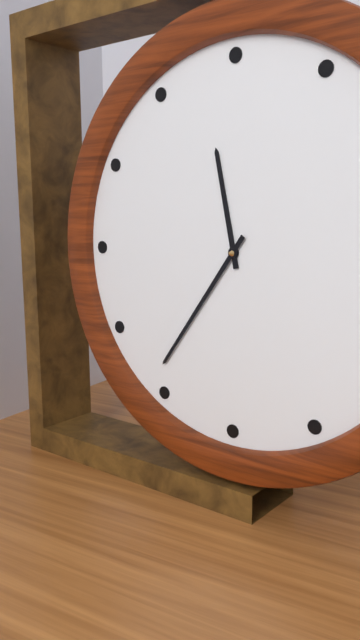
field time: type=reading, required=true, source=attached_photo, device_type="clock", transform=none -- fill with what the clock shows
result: 11:36
